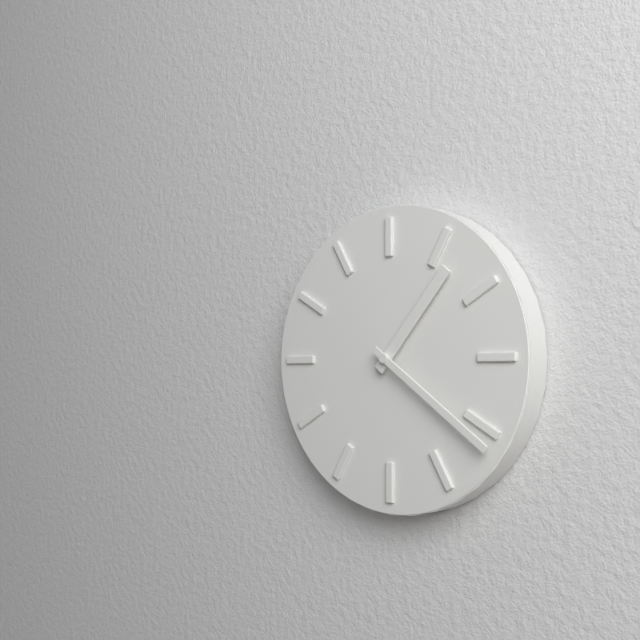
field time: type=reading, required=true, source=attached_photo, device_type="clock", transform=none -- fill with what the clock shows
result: 1:21
